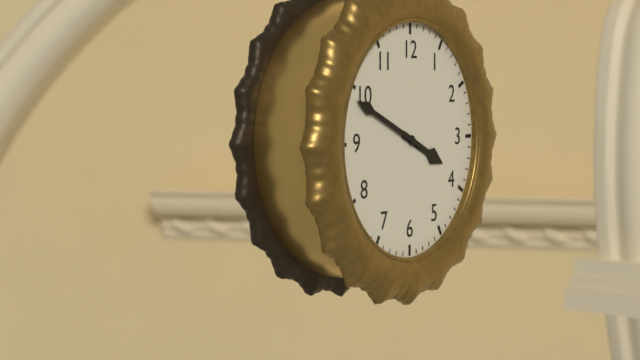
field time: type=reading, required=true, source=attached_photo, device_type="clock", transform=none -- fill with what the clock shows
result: 3:49
